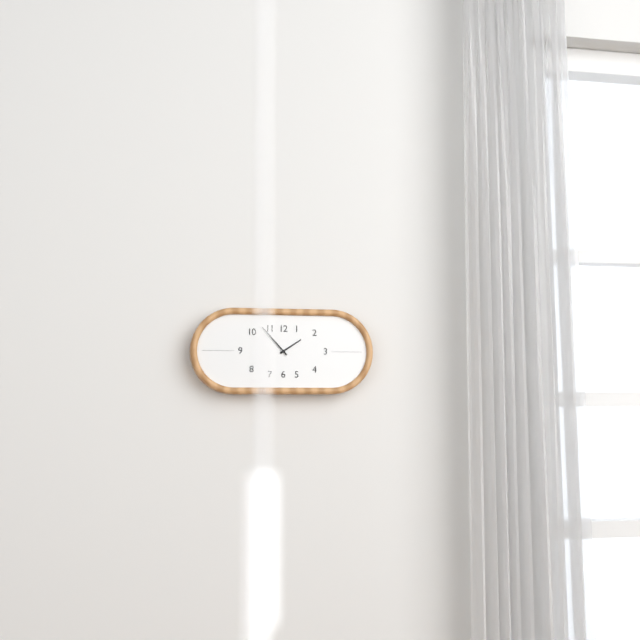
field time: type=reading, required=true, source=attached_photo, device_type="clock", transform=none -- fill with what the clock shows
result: 1:53
